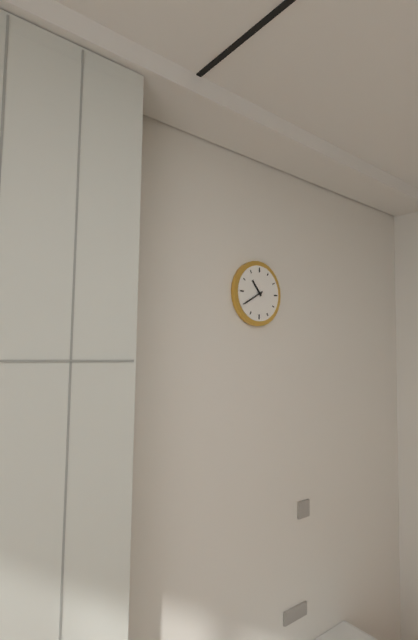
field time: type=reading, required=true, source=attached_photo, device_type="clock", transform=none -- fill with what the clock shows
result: 10:40
